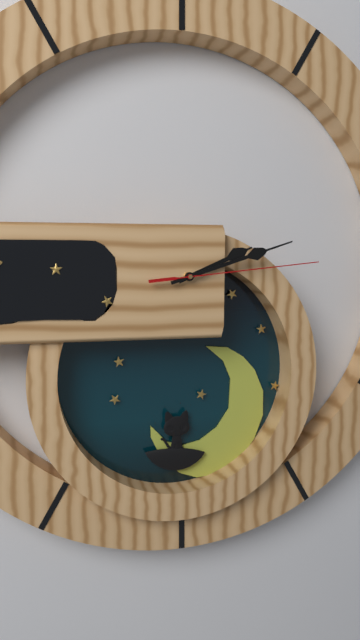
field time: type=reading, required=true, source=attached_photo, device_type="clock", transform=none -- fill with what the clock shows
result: 2:12:14
